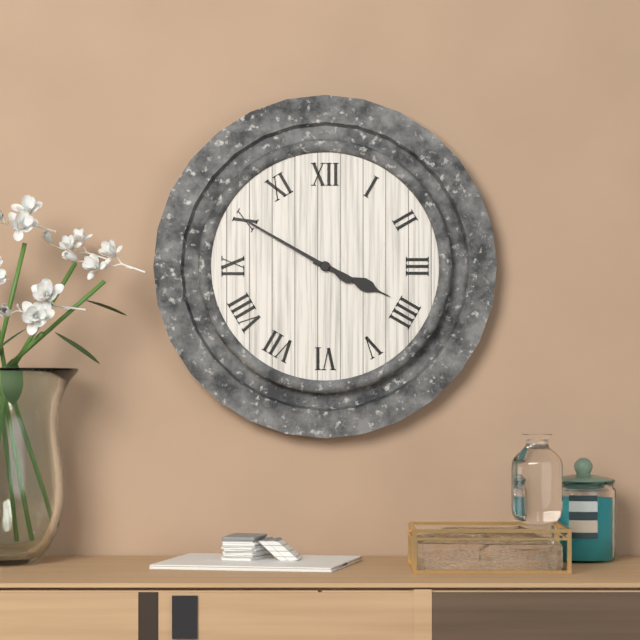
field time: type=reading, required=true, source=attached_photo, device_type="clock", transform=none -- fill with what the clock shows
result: 3:50
